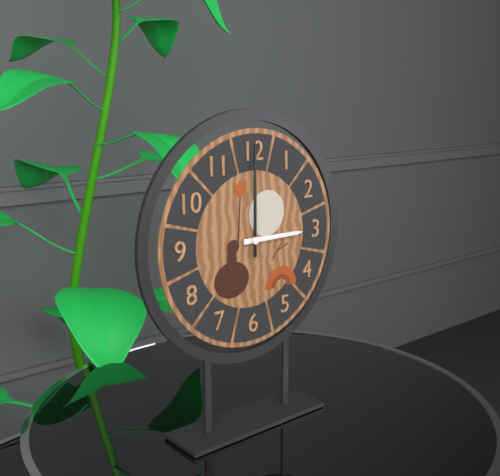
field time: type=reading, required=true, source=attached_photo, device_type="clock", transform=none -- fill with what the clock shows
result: 3:00
